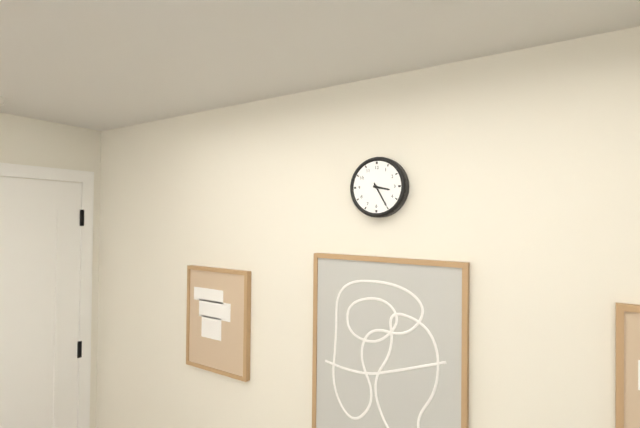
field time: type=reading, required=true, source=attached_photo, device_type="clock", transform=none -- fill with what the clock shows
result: 3:25
